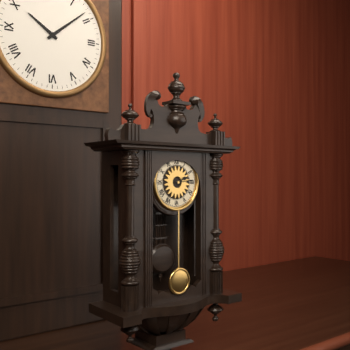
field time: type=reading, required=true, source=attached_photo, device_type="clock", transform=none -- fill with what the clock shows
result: 2:14
